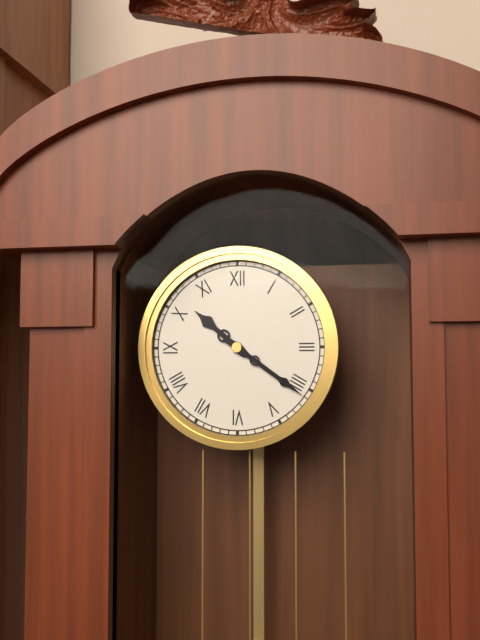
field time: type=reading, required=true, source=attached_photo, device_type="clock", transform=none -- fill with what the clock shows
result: 10:21
